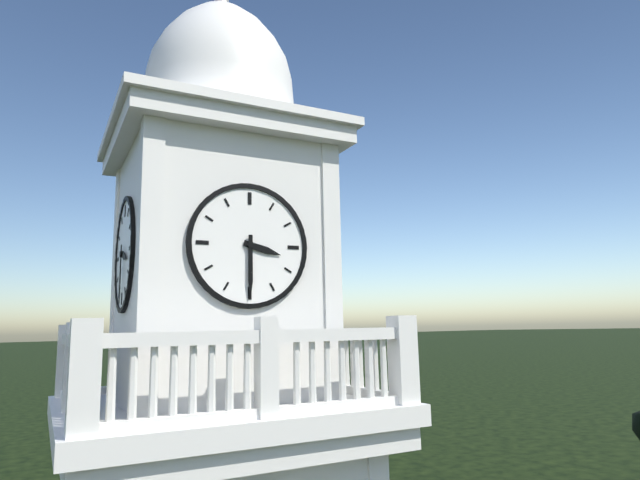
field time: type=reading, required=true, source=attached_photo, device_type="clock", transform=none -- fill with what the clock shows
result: 3:30
